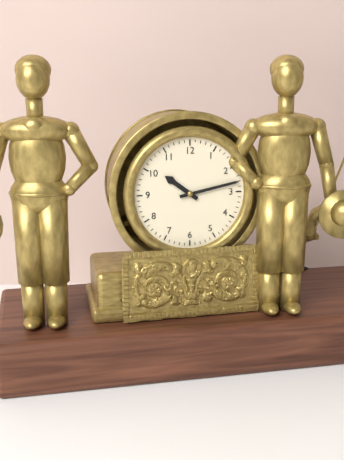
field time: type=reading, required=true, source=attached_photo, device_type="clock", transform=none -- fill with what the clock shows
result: 10:13
